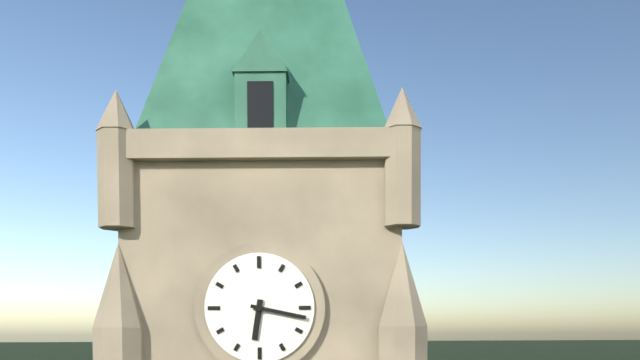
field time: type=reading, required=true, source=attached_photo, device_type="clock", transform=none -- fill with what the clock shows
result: 6:17
